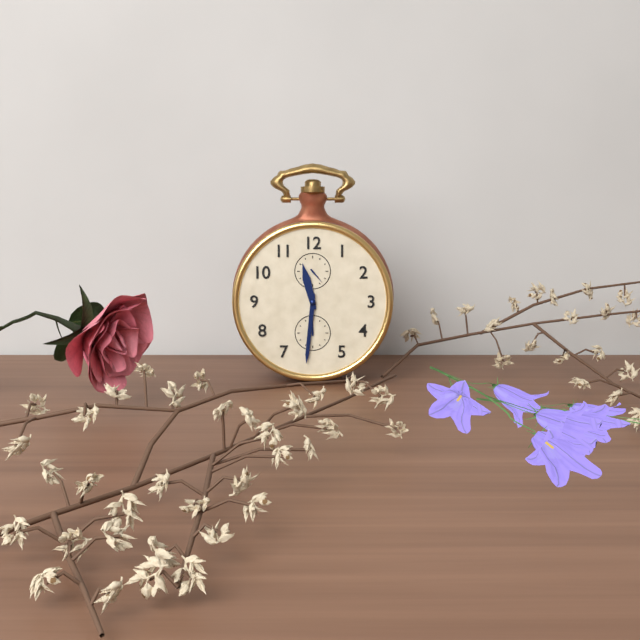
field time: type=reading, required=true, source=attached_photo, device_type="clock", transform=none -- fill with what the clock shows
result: 11:31
